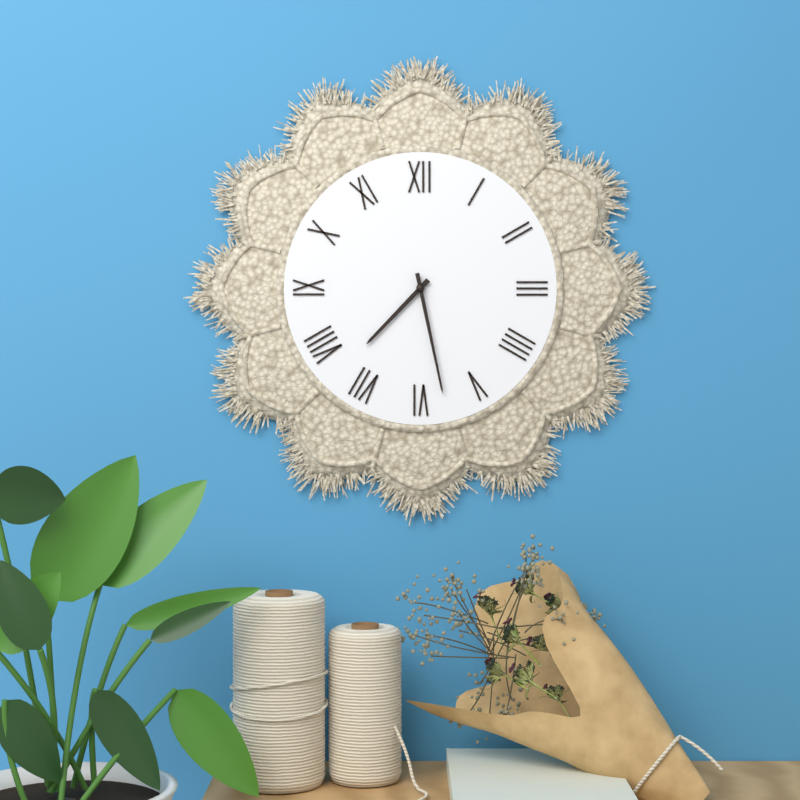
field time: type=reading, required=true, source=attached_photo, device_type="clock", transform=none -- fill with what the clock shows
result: 7:28
